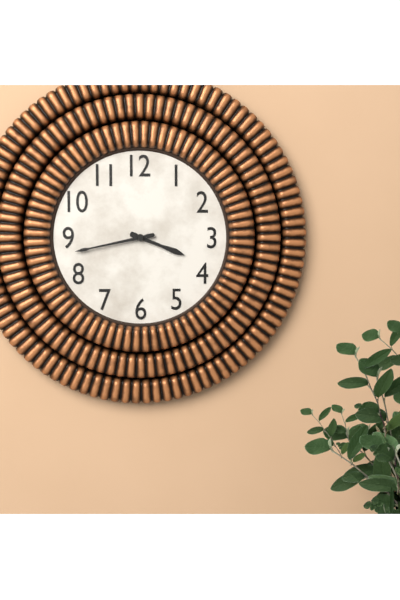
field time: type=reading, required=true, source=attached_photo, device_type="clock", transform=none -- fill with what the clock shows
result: 3:43
